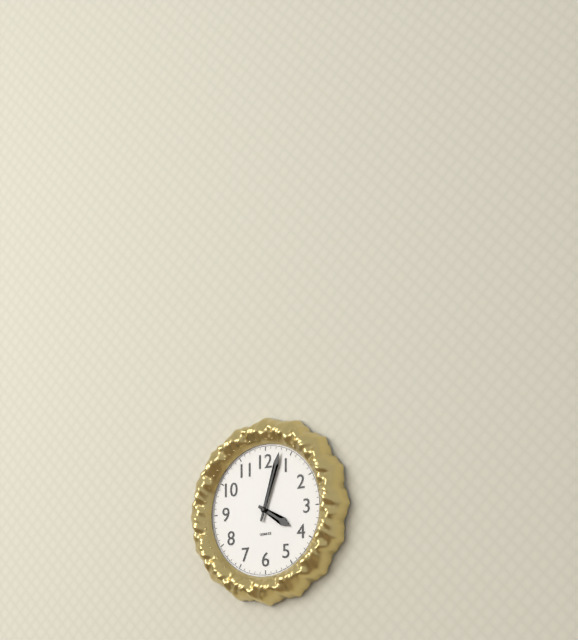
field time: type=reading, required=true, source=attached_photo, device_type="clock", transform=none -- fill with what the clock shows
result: 4:03
